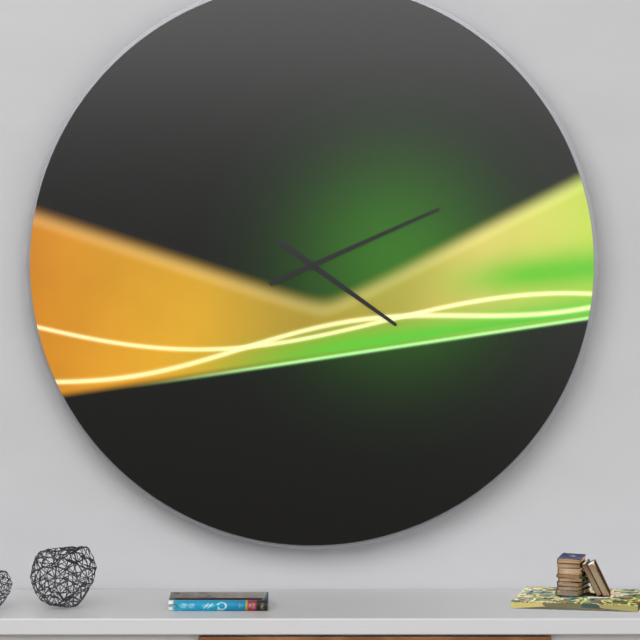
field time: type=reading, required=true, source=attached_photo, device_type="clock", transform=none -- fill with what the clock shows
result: 4:11
